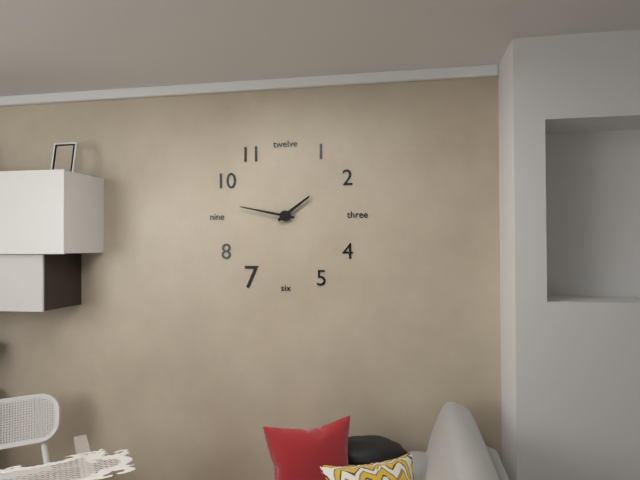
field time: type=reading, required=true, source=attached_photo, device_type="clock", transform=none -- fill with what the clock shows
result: 1:47
